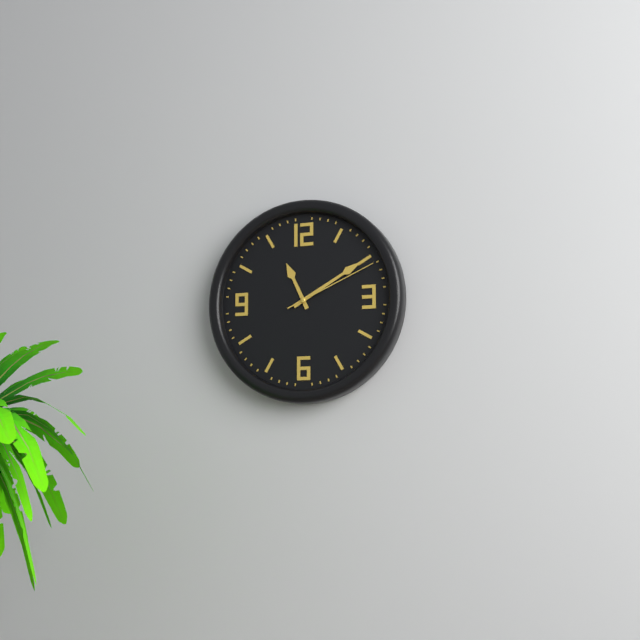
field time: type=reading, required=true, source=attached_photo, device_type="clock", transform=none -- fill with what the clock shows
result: 11:10:11
